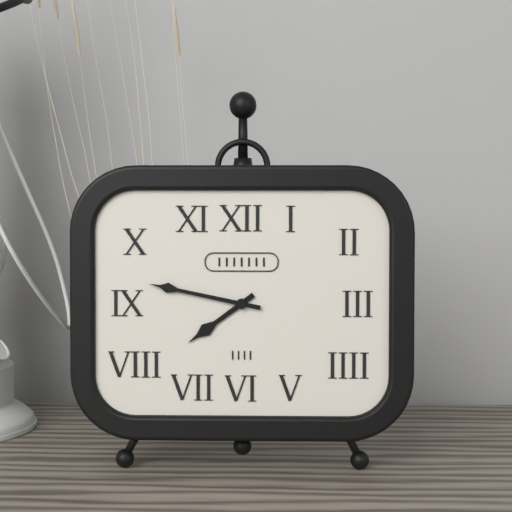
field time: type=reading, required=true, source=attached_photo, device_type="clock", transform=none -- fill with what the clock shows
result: 7:47
